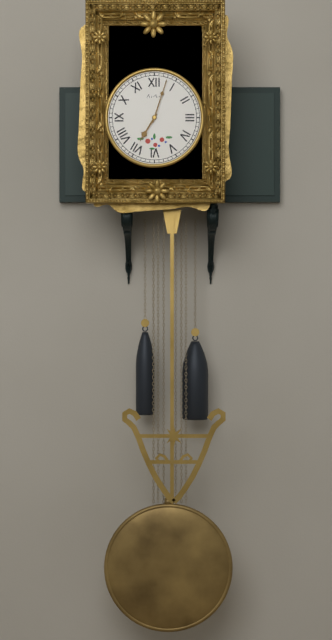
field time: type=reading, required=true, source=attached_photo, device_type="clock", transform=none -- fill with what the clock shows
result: 7:03
